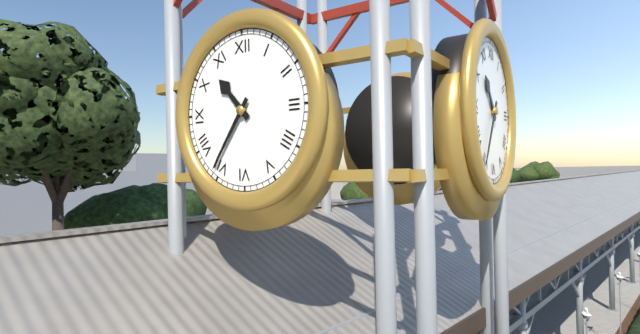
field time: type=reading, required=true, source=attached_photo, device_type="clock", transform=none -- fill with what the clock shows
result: 10:36
